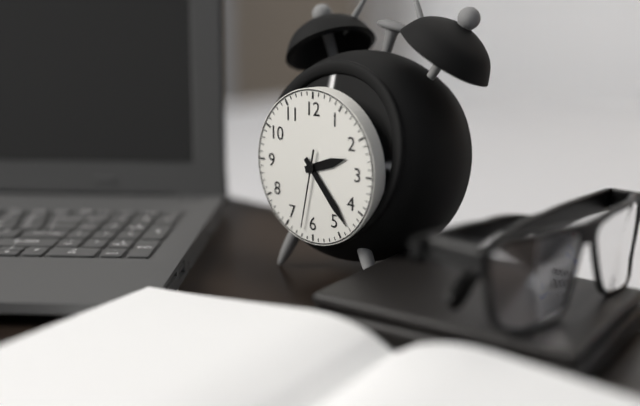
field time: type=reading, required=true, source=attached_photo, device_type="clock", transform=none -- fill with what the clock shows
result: 2:23:32
